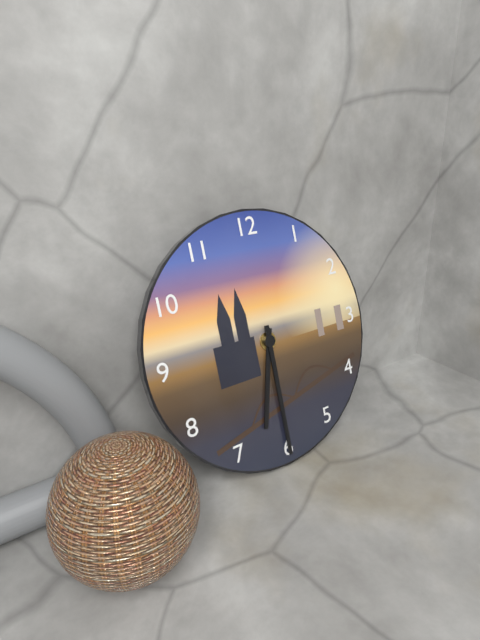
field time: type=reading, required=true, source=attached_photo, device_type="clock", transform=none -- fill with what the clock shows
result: 6:30
